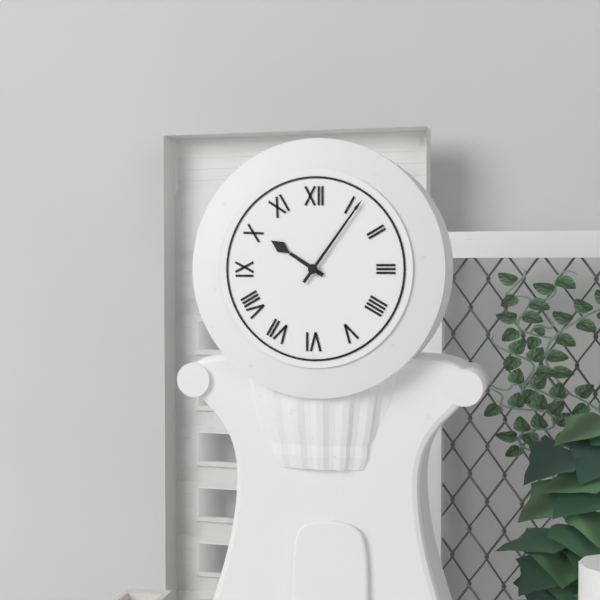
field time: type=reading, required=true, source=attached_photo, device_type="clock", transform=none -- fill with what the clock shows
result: 10:06
